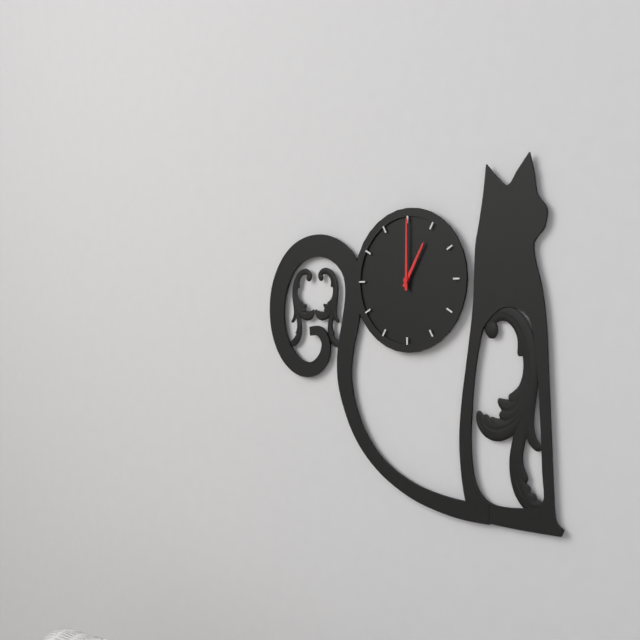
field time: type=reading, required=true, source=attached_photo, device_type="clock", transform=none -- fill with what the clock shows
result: 1:00
